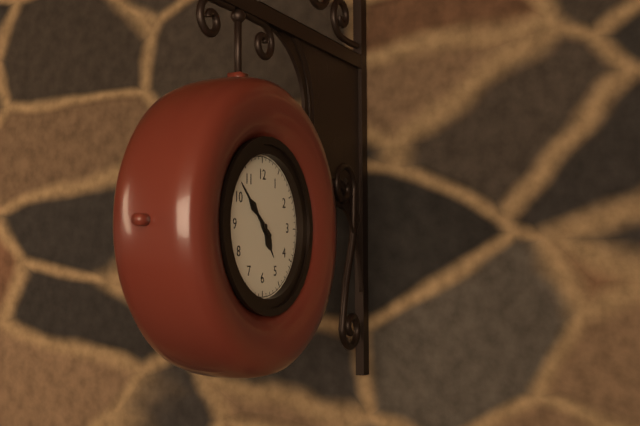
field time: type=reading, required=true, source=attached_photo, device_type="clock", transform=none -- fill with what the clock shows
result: 4:52:52
